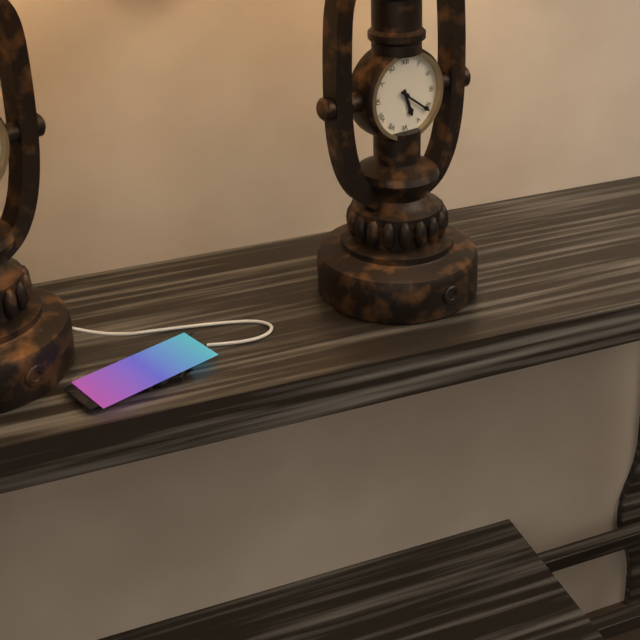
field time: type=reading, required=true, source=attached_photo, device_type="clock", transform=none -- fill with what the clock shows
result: 5:21
